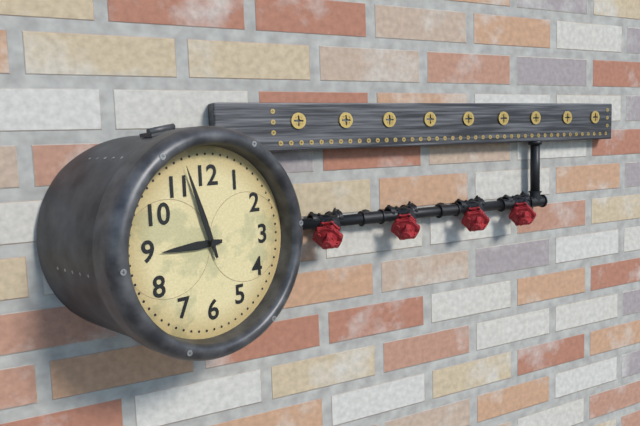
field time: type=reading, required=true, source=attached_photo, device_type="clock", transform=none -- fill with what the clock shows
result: 8:57
